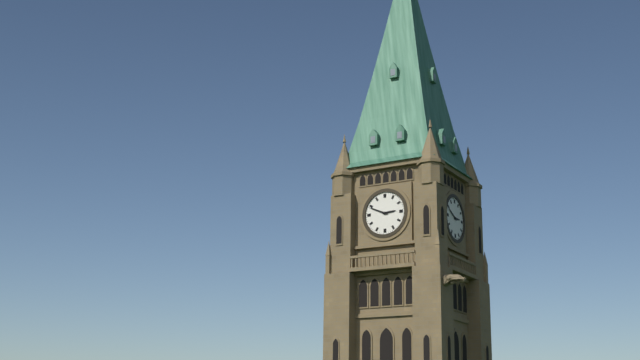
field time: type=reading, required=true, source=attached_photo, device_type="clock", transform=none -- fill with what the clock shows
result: 2:49
